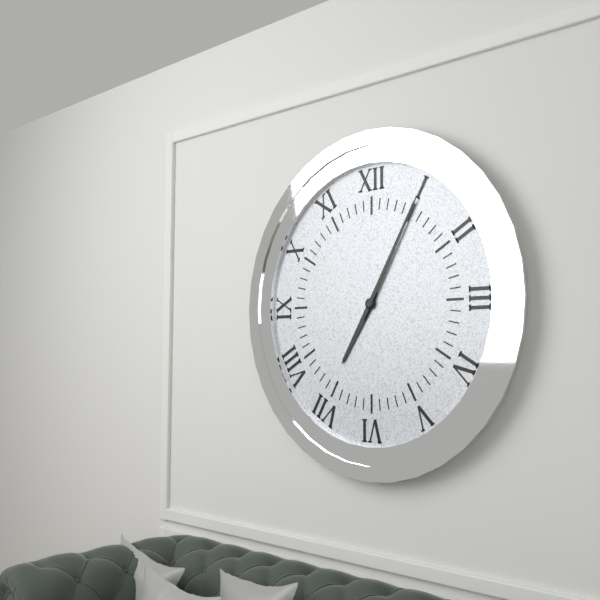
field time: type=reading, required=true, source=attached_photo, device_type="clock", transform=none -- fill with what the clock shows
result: 7:05
